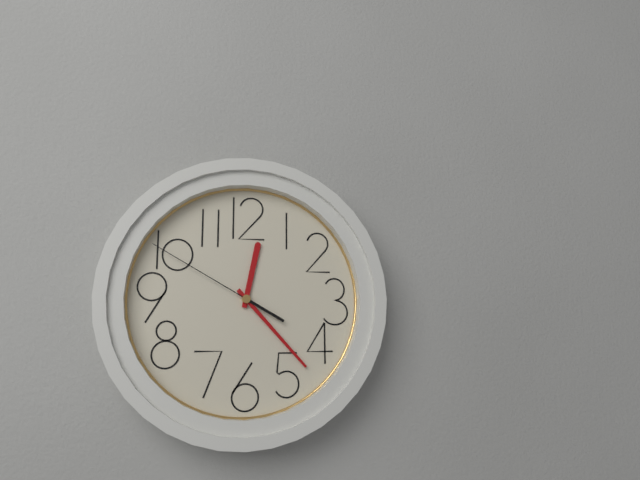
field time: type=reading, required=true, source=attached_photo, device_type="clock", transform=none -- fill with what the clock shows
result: 12:23:50
